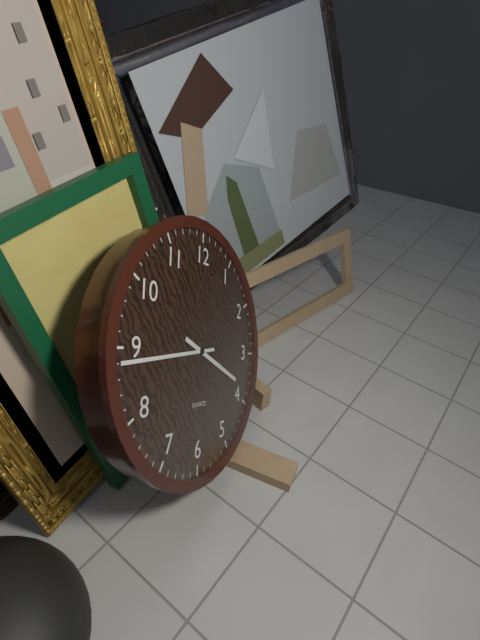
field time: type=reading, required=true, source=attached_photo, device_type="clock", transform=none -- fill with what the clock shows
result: 3:44
